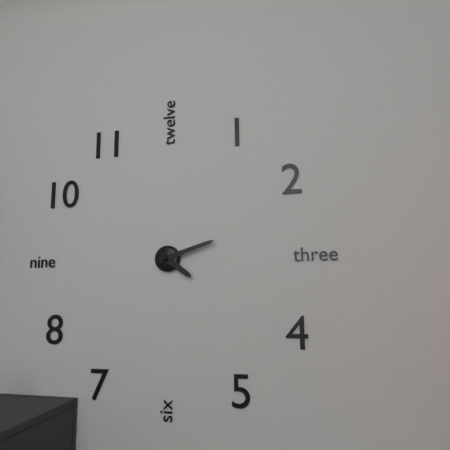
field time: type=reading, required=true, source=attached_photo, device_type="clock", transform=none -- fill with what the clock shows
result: 4:12
